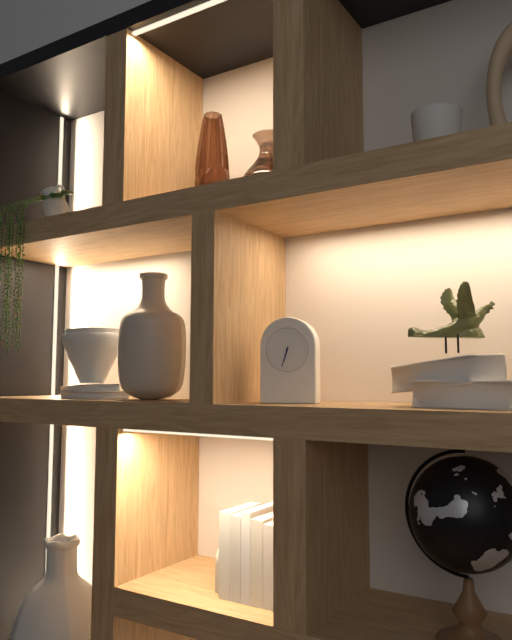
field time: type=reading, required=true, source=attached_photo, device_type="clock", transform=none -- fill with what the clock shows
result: 6:33
